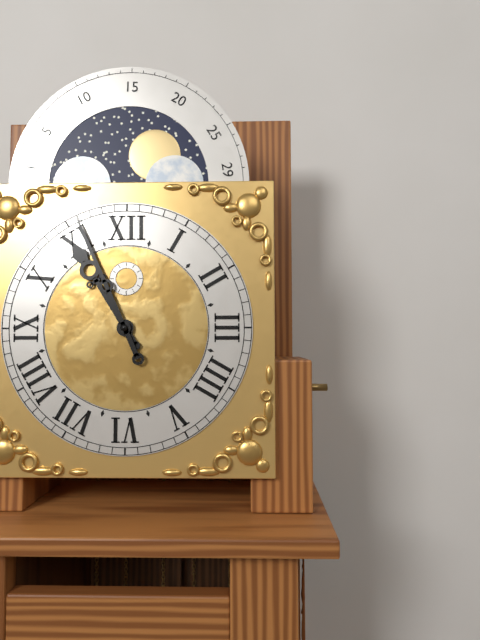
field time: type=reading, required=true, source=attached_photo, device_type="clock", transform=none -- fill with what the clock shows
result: 10:56
